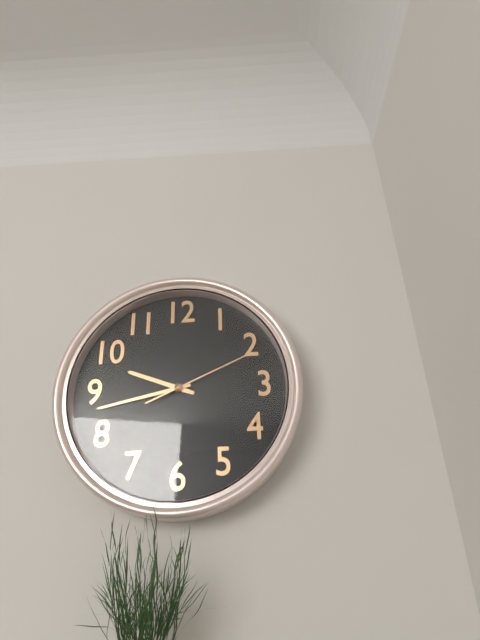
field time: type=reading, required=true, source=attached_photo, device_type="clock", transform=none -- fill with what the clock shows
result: 9:43:11
